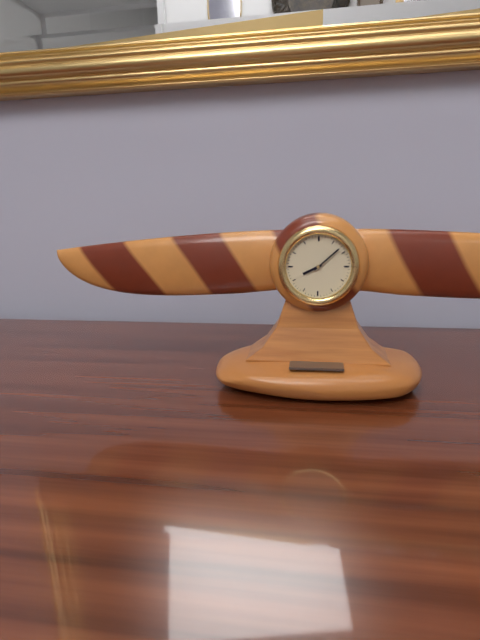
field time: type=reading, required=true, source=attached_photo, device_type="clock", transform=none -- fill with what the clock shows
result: 8:08
